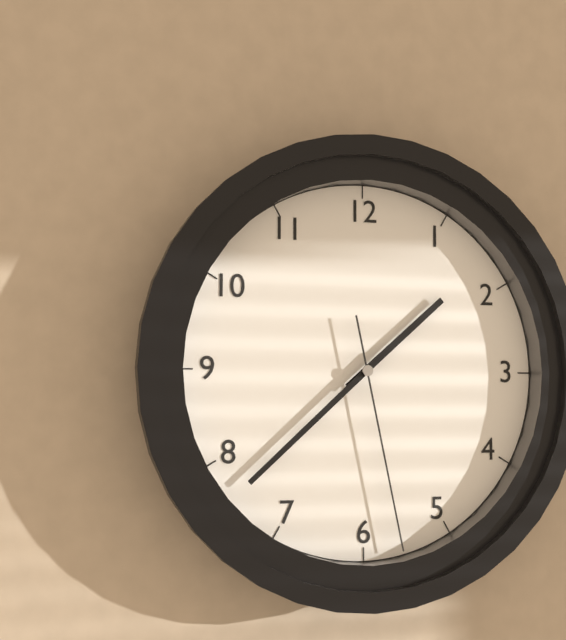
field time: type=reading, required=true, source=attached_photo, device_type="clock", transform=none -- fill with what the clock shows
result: 1:38:28
